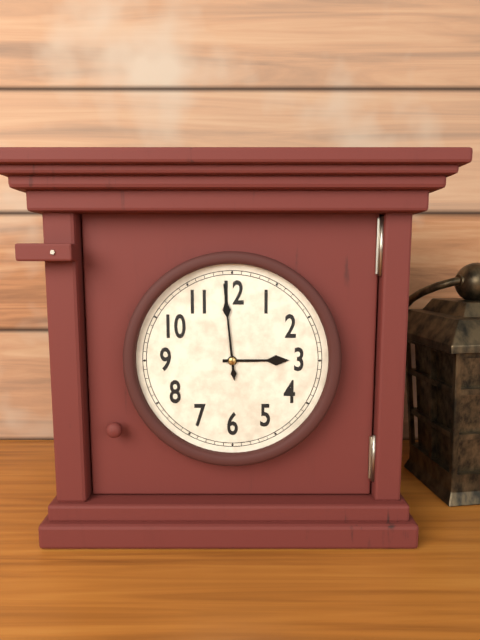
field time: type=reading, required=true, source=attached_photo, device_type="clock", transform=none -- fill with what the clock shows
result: 2:59
